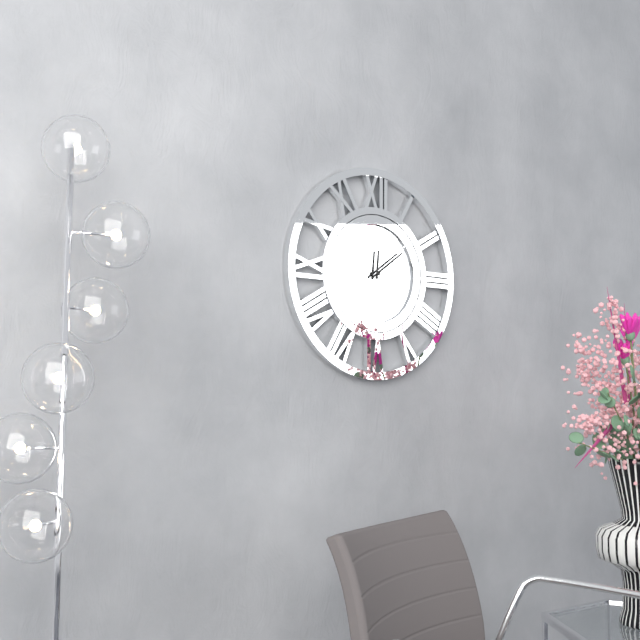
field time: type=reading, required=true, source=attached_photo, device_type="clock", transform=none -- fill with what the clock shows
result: 12:09
